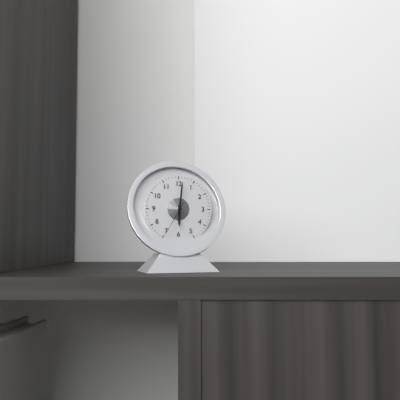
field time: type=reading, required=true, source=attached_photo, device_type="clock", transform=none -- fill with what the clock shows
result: 6:01
